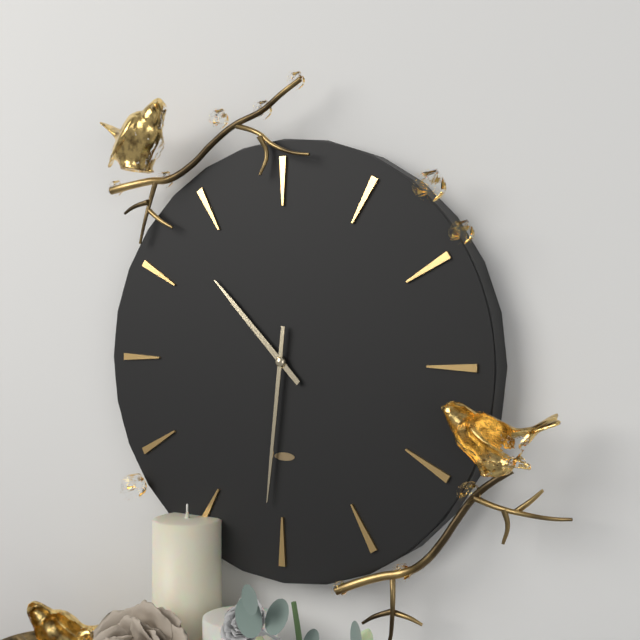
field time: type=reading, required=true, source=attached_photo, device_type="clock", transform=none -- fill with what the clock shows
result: 10:31
